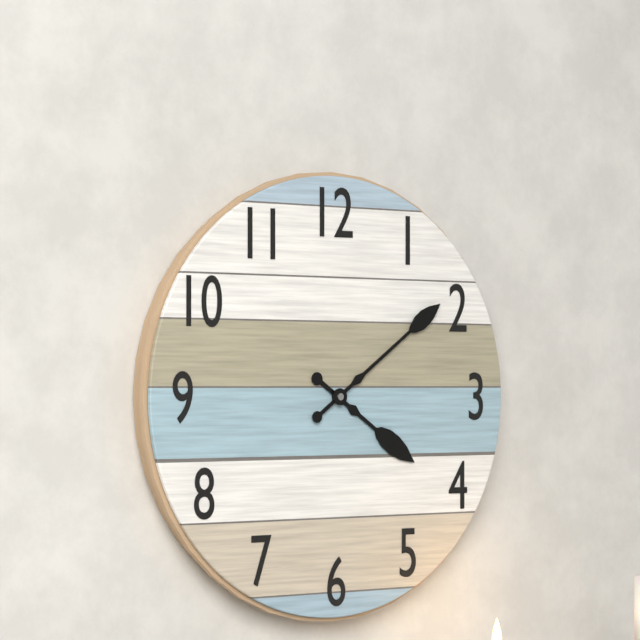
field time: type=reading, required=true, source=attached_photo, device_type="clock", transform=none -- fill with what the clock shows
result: 4:09
